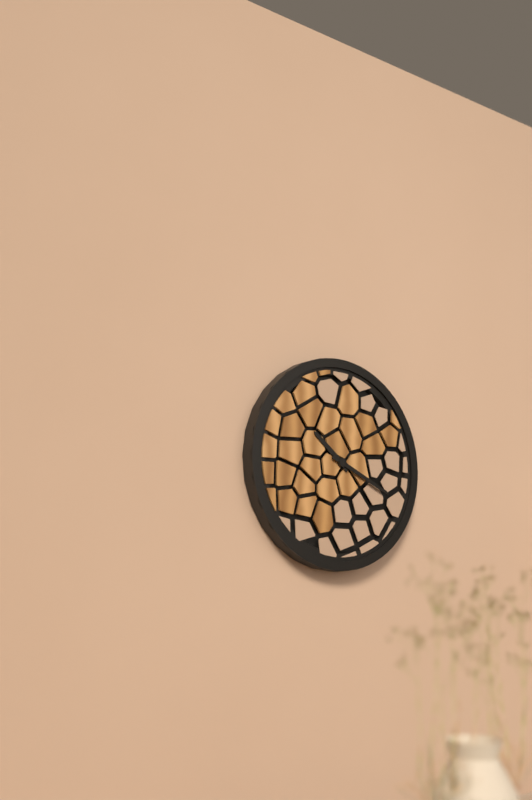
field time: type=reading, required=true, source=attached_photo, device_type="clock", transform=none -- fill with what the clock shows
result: 10:19
